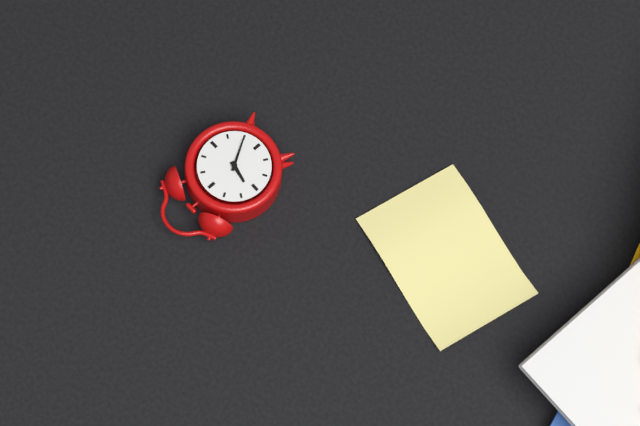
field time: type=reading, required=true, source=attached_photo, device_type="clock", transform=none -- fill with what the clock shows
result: 9:25
